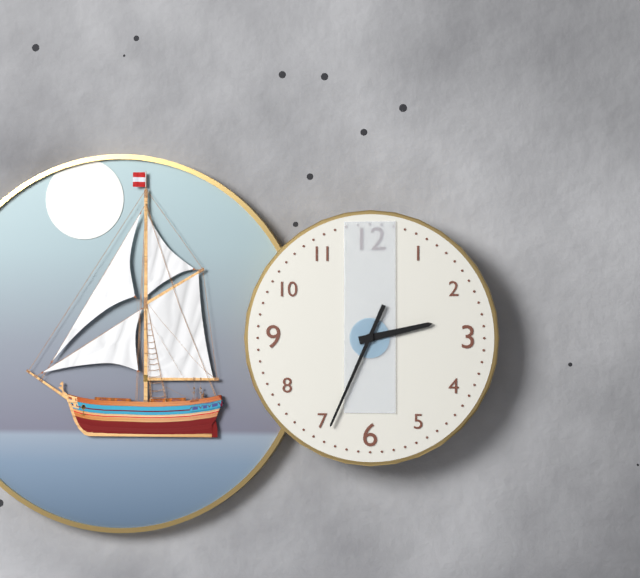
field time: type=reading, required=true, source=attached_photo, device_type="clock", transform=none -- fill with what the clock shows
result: 2:34
